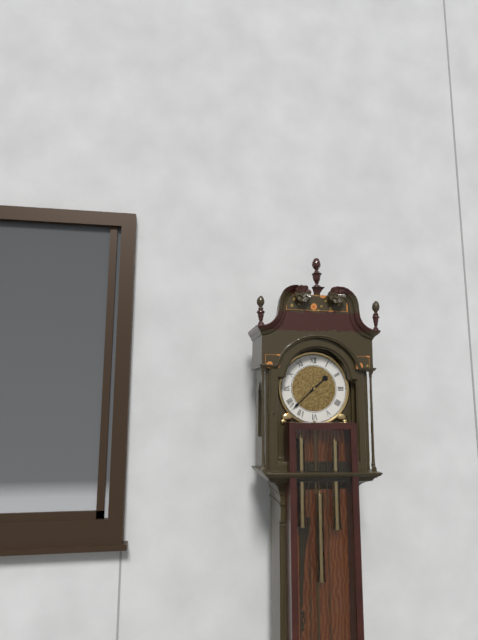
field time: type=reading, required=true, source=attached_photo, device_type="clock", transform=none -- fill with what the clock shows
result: 1:38
